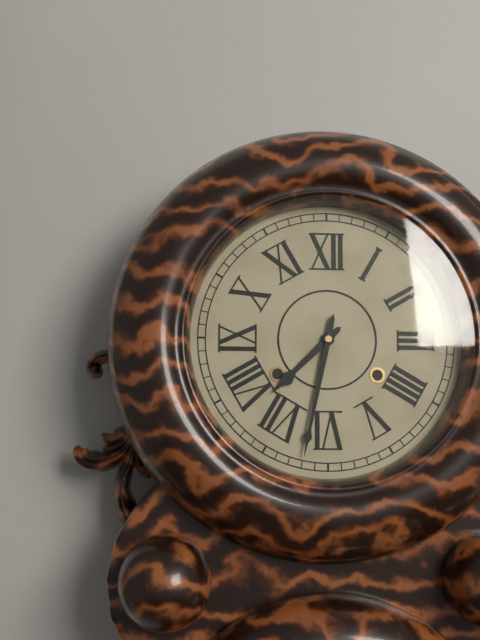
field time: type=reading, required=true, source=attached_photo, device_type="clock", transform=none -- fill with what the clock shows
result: 7:32
